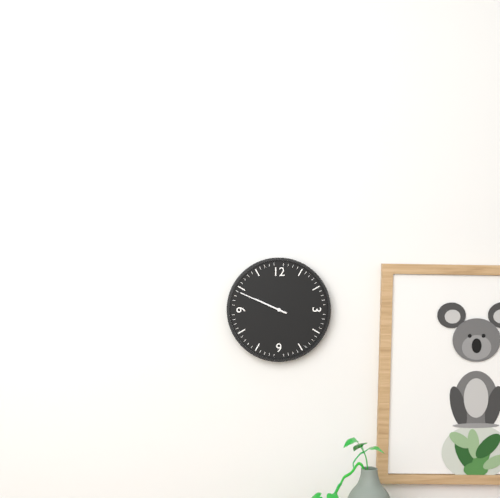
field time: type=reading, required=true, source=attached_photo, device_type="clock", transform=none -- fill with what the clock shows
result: 9:49
